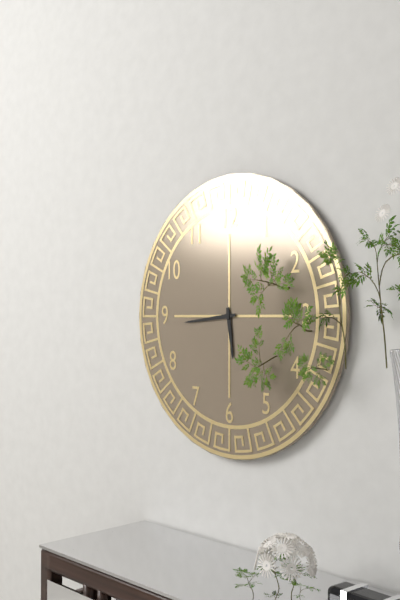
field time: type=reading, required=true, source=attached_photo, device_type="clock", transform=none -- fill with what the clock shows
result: 5:44
